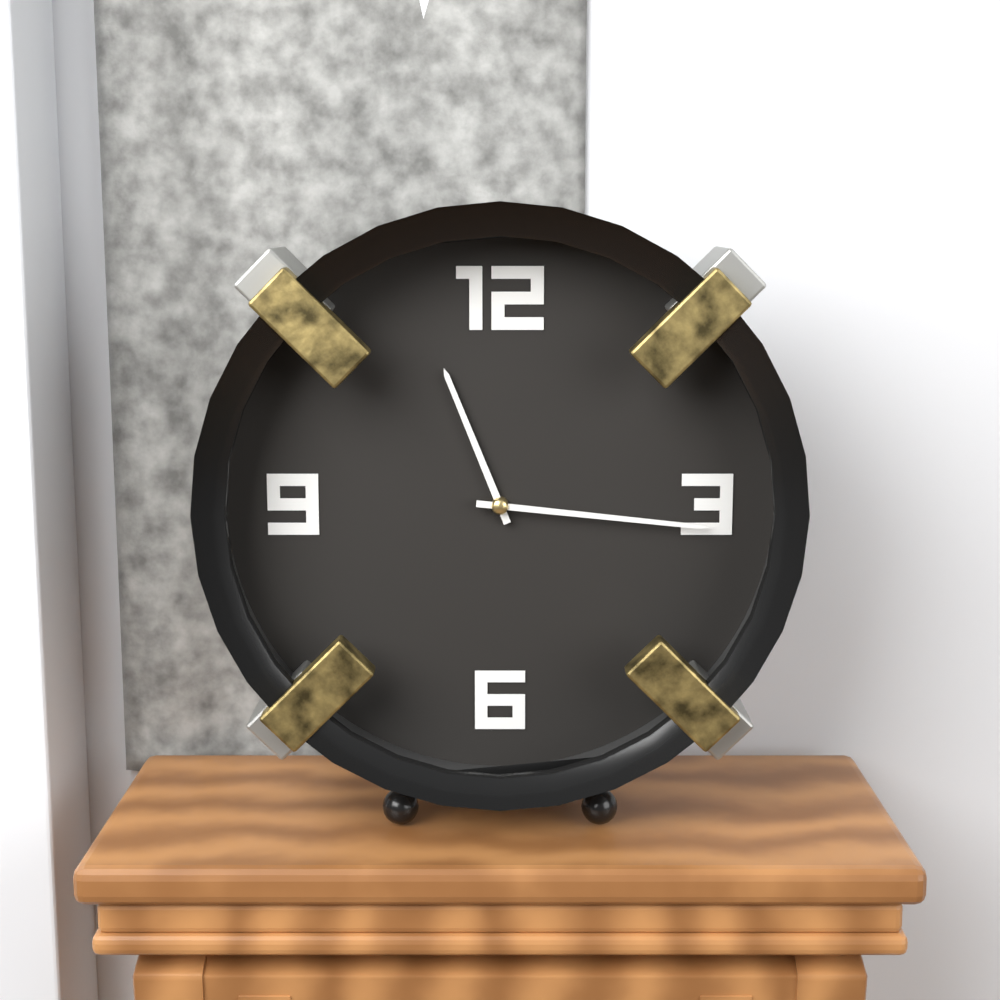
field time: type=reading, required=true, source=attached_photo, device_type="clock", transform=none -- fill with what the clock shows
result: 11:16
